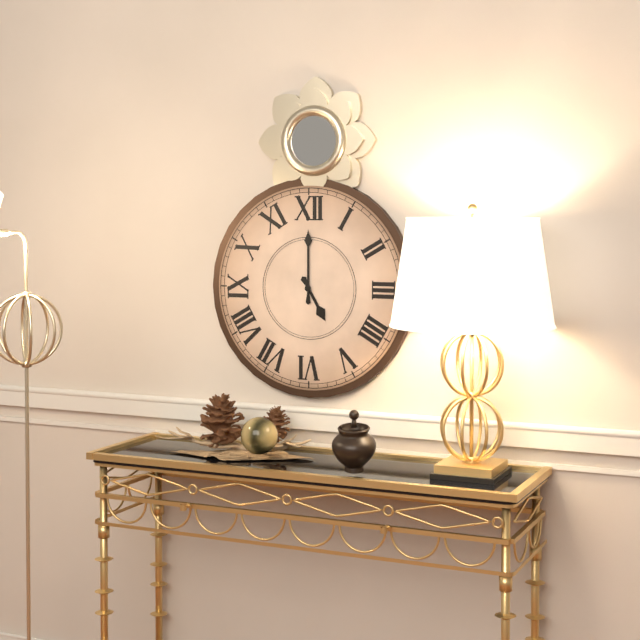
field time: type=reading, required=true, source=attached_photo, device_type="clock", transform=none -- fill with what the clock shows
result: 5:00
